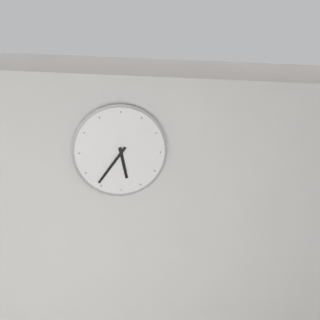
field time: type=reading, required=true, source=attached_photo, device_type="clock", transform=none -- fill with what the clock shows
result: 5:36
